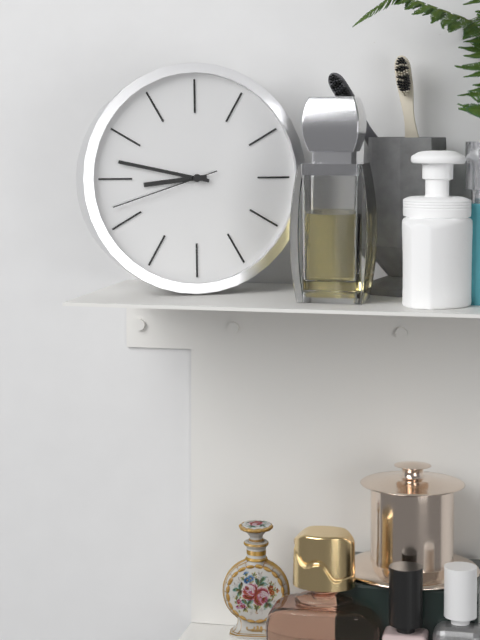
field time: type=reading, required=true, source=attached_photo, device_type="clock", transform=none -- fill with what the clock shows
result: 8:47:42
